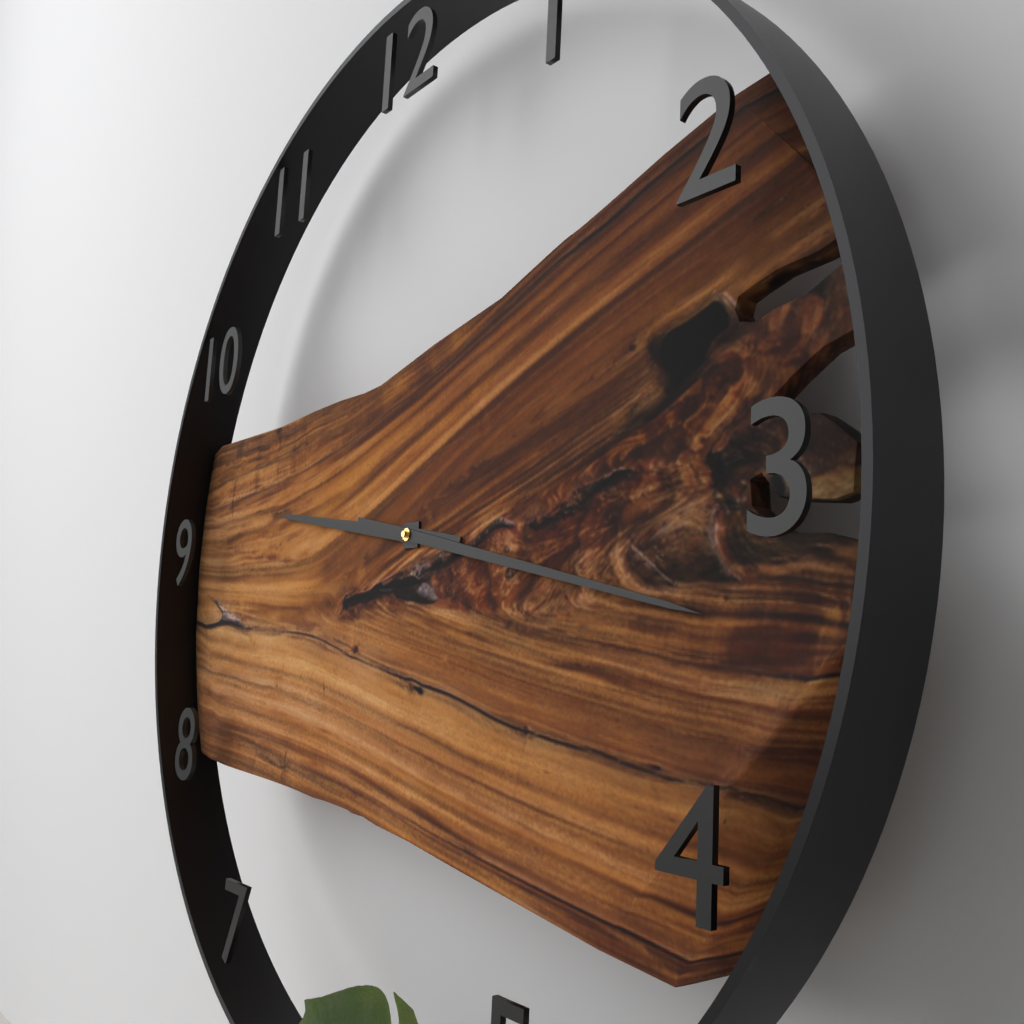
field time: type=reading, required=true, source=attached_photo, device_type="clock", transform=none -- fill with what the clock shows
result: 9:17
